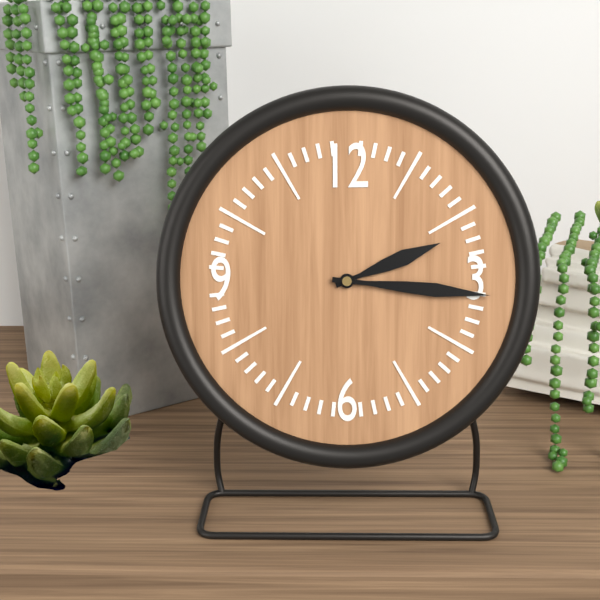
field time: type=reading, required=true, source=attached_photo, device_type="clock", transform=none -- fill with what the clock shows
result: 2:16
